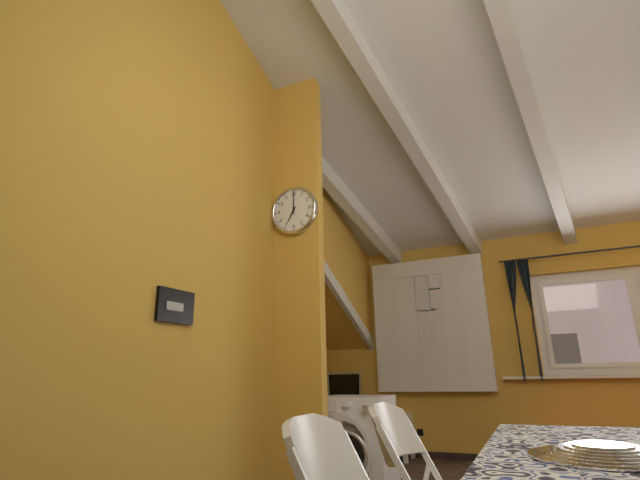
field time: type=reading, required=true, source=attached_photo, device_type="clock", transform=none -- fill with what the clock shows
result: 7:00
